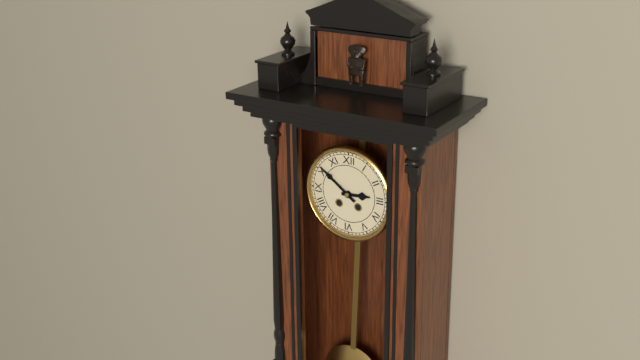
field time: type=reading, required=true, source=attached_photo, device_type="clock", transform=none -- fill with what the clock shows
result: 2:51
